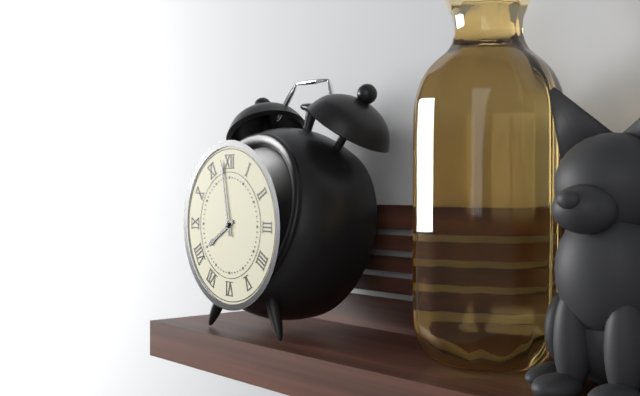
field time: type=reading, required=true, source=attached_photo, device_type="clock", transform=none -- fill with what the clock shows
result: 7:58
